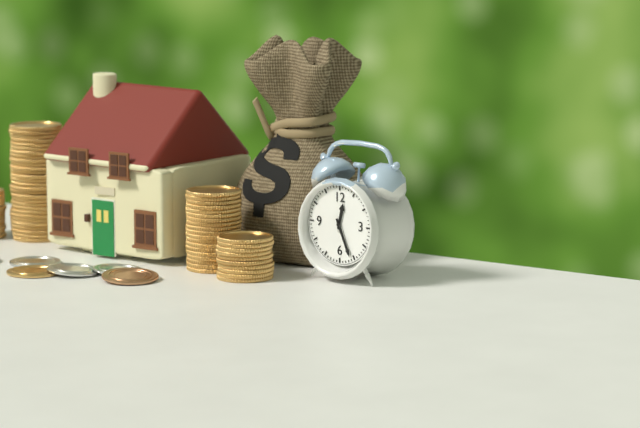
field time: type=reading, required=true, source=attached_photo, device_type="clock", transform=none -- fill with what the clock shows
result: 12:26
